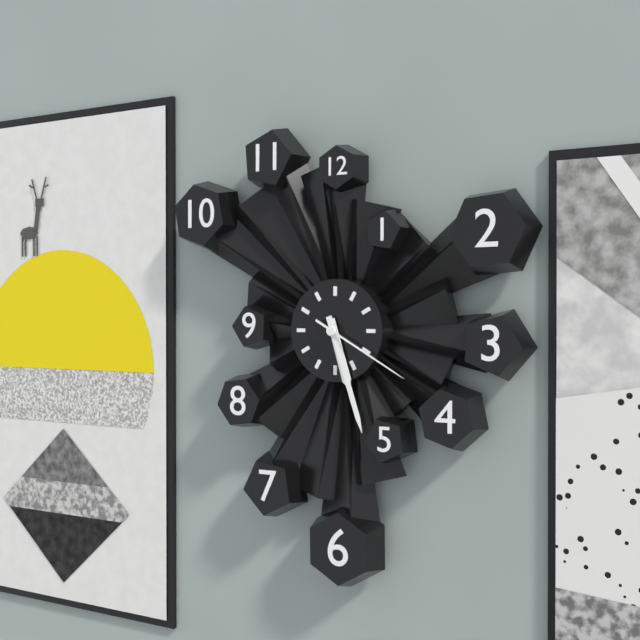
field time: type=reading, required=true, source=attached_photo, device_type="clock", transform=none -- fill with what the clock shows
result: 5:27:20
